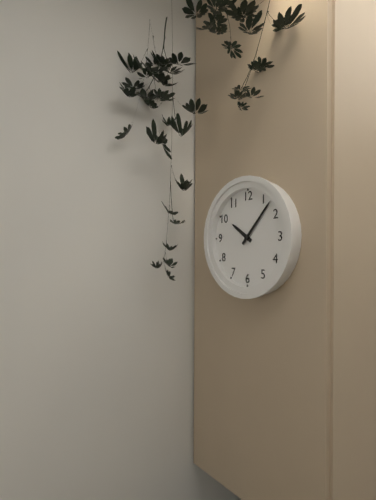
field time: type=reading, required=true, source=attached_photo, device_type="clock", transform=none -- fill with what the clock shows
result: 10:07
